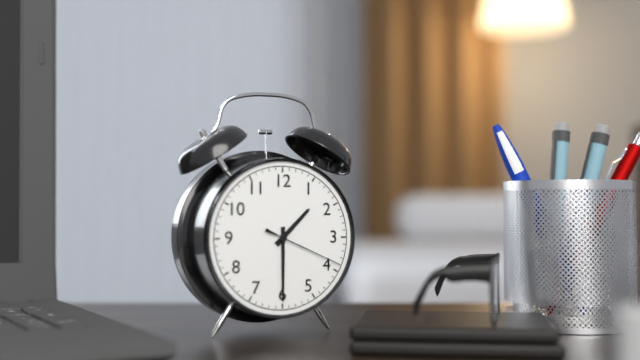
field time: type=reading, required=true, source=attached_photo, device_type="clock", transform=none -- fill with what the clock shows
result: 1:30:19
